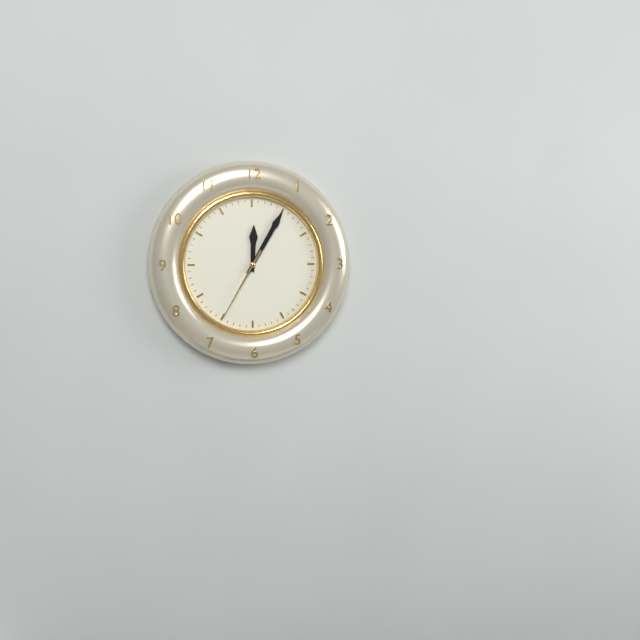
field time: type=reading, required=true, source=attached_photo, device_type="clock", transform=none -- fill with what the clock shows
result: 12:05:35
